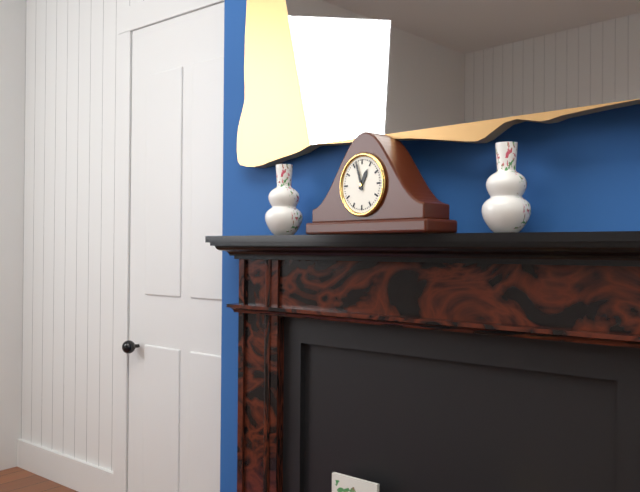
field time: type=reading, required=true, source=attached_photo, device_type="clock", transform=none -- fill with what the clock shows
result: 12:57
